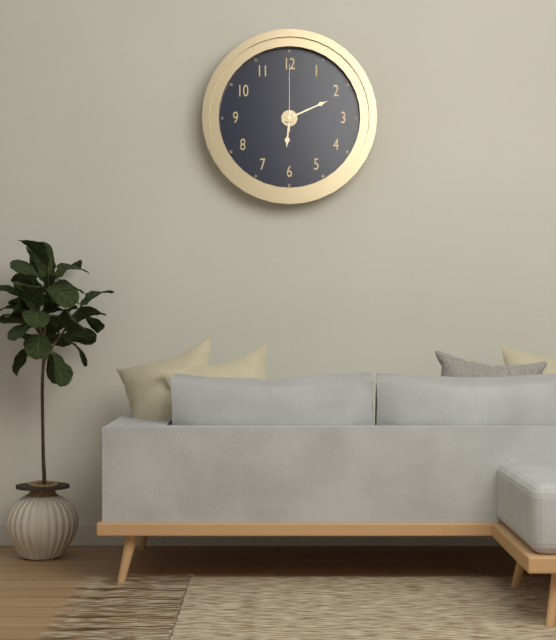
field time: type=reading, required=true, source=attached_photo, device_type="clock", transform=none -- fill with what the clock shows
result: 6:11:00
